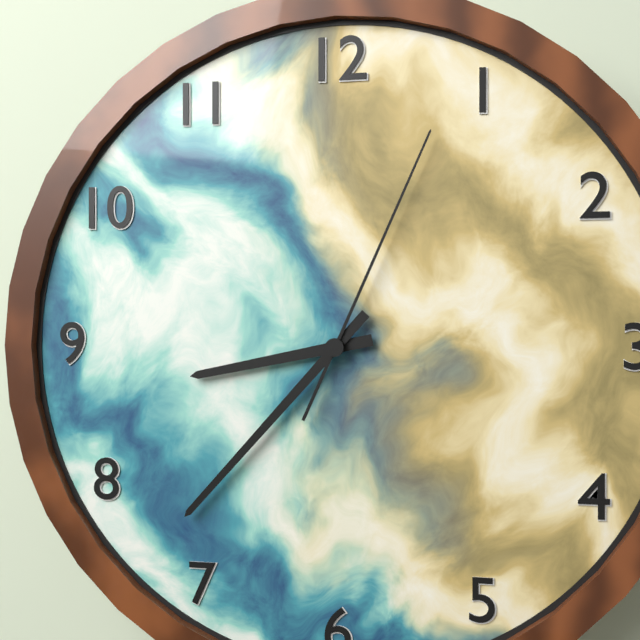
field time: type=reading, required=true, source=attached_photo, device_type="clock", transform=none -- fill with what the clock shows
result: 8:37:04
